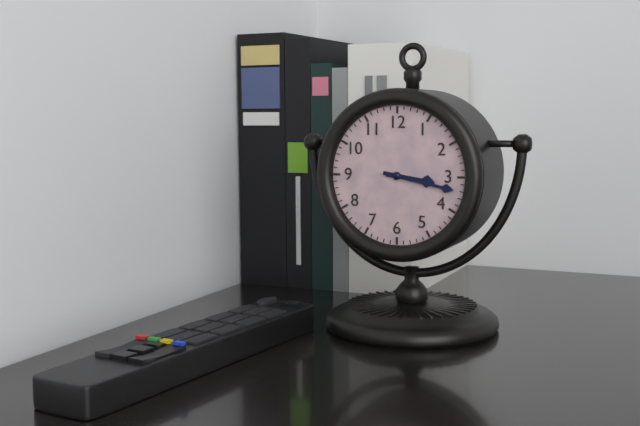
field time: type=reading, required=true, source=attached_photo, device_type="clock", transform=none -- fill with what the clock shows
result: 3:17
